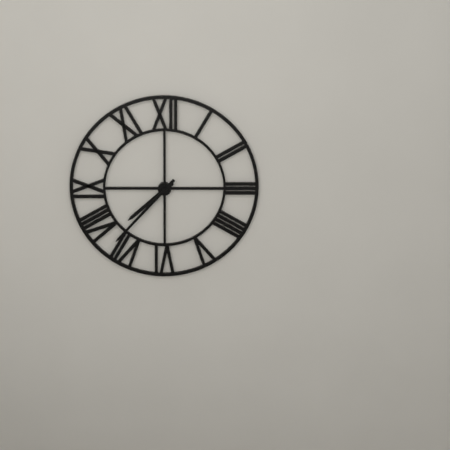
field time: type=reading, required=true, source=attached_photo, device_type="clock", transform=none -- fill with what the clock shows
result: 7:37
